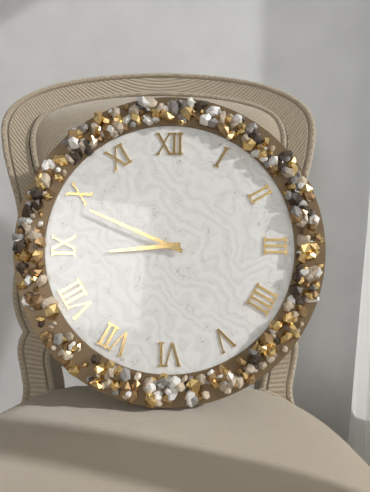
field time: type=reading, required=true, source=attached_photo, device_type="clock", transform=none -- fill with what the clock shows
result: 8:49
